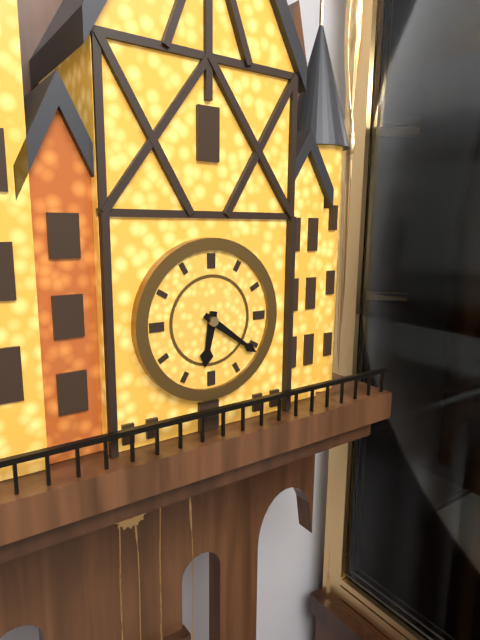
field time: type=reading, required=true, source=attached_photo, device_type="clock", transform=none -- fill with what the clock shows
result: 6:21
